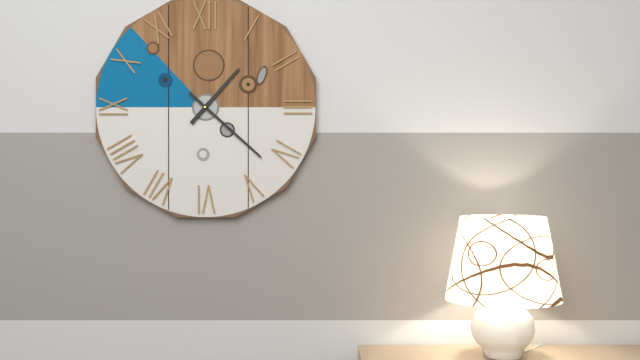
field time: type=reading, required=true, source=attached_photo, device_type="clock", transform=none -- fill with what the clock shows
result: 1:22
